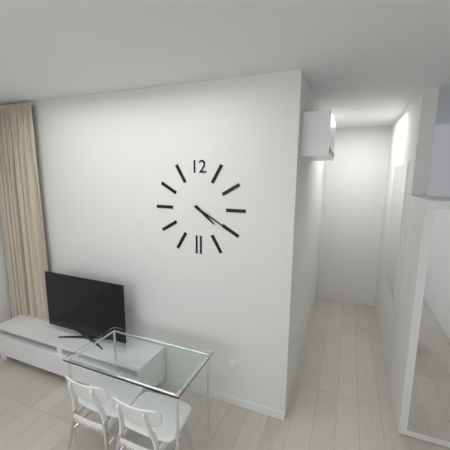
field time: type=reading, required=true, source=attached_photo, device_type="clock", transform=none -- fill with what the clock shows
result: 4:20
